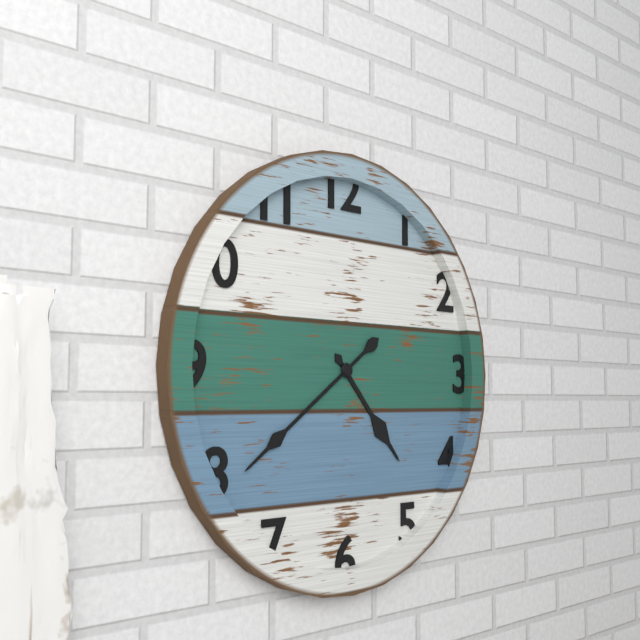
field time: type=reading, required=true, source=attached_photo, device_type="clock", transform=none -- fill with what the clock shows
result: 4:39
